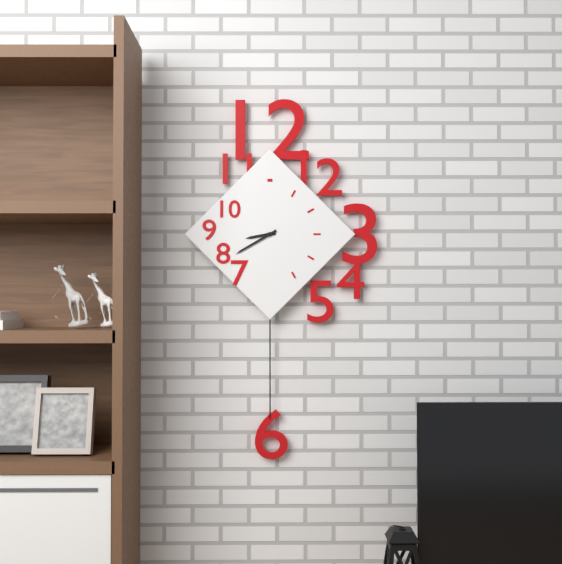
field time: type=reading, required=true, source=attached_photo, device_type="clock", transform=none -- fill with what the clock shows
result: 8:40
